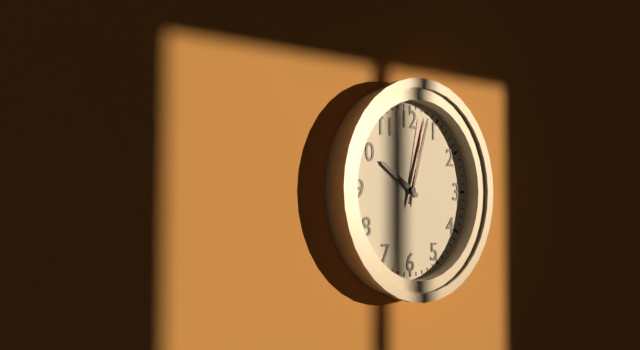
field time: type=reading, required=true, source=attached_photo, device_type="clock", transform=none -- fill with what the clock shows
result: 10:03:02
